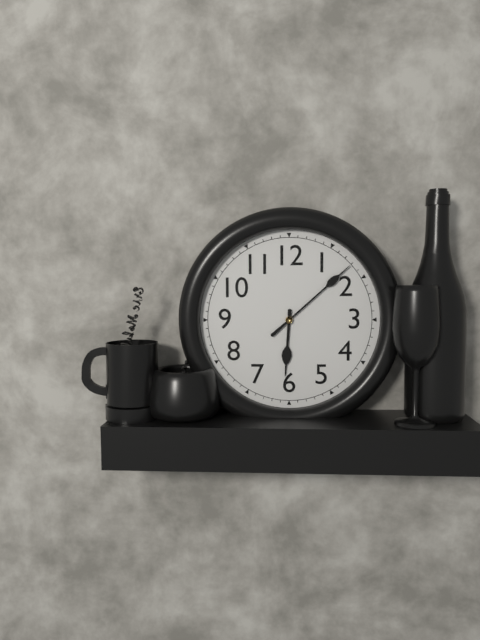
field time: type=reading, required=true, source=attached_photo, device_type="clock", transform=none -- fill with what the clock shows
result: 6:08
